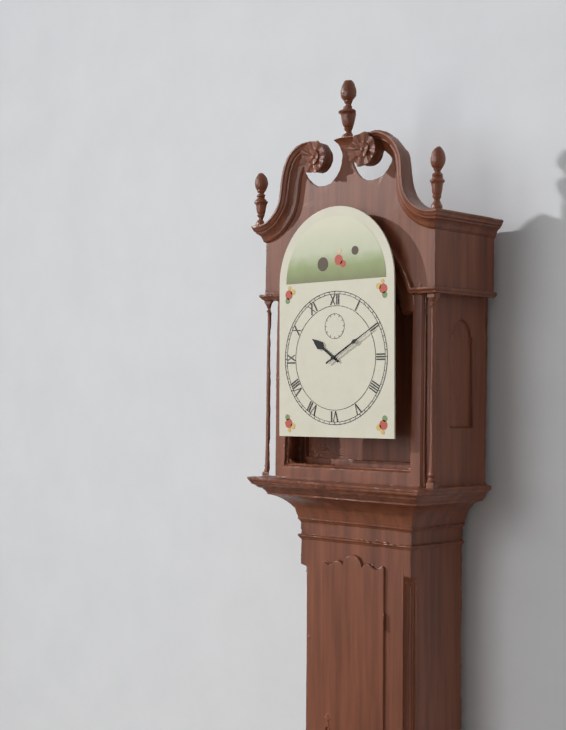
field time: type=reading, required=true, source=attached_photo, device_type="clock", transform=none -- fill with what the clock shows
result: 10:10
